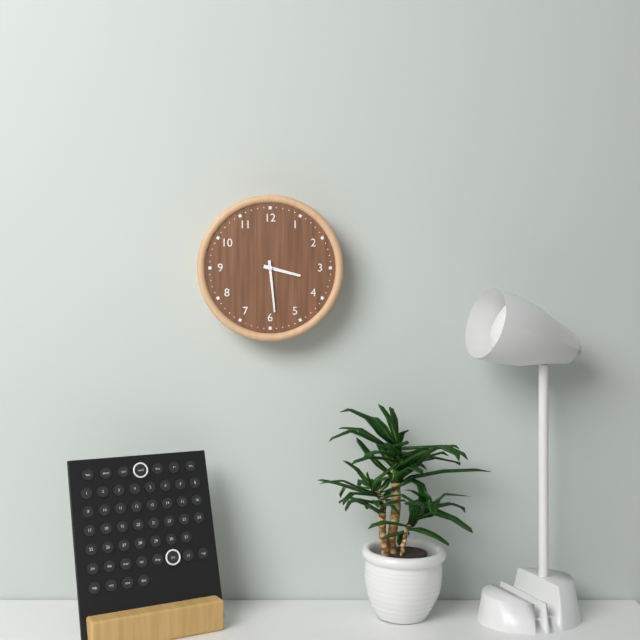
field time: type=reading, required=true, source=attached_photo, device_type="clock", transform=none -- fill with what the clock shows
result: 3:29
